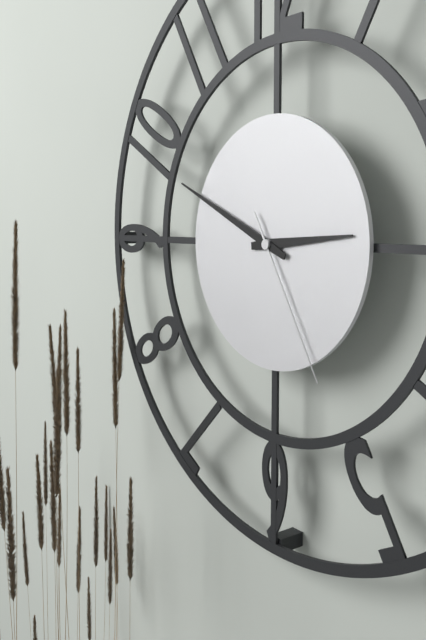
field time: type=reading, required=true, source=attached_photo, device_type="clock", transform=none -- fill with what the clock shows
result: 2:49:25
